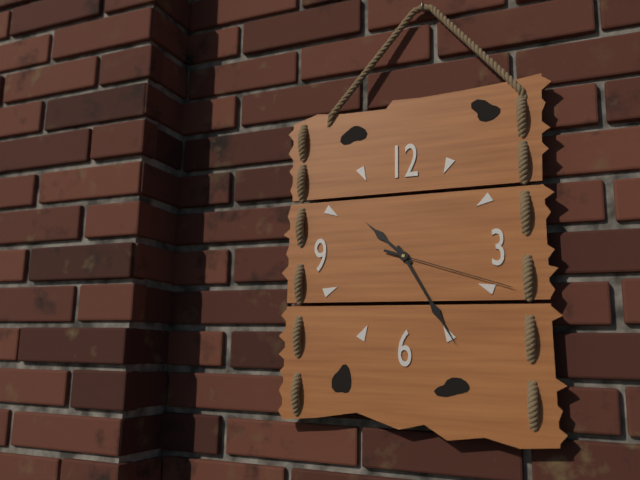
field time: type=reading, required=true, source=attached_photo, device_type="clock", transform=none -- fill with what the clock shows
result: 10:25:18
